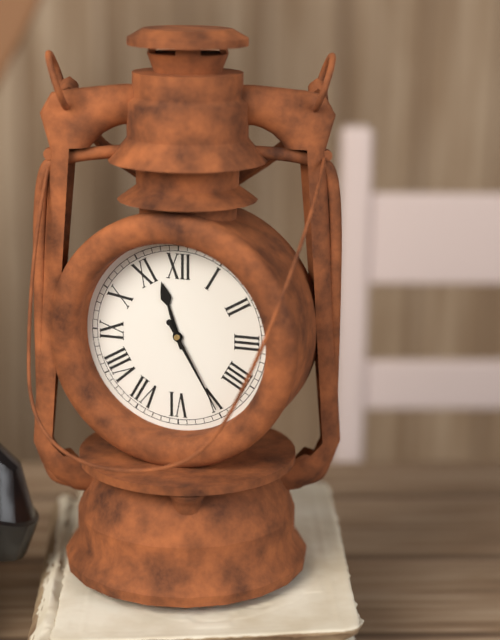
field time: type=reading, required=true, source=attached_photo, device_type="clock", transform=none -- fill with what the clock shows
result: 11:25
